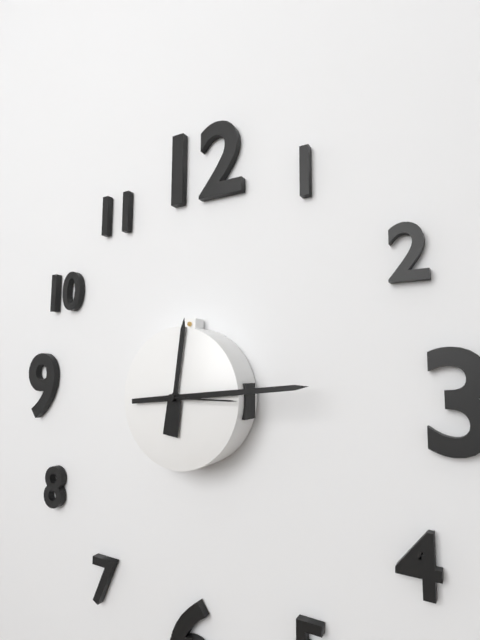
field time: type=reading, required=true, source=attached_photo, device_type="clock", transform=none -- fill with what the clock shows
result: 12:14
